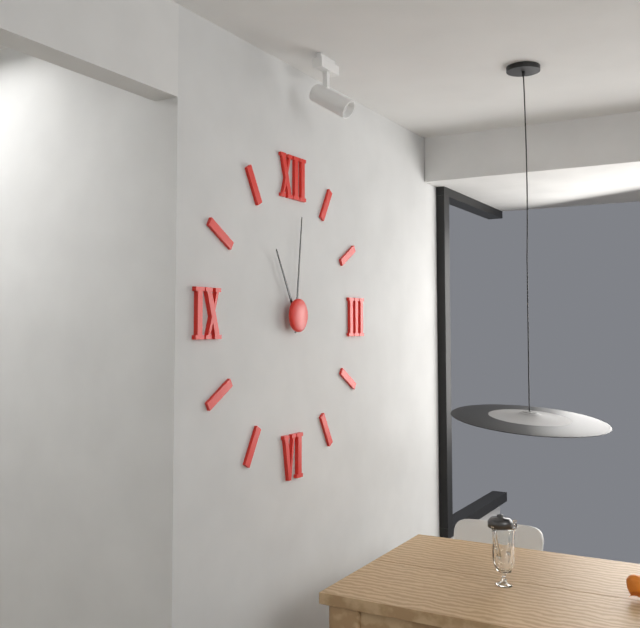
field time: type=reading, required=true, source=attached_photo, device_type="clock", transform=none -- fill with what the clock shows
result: 11:01
